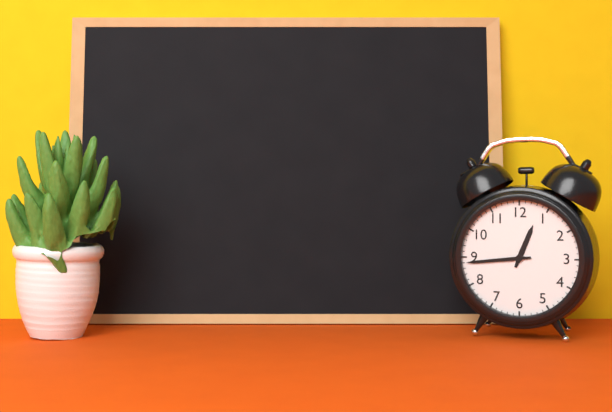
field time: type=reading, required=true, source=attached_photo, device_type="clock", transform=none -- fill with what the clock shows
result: 12:44
